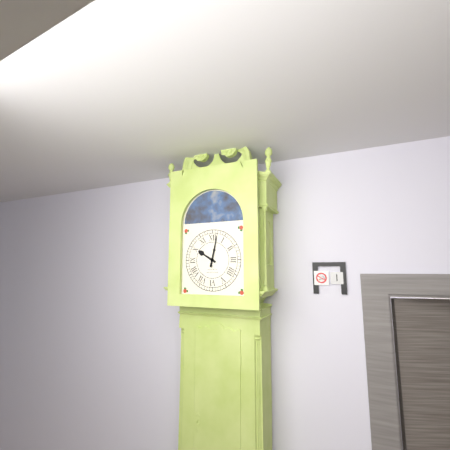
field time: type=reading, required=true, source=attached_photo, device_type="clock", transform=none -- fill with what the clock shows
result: 10:02
